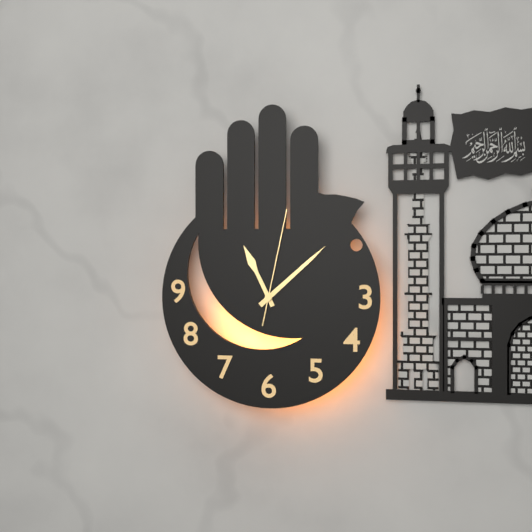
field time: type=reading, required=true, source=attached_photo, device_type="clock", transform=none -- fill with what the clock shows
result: 11:08:02
